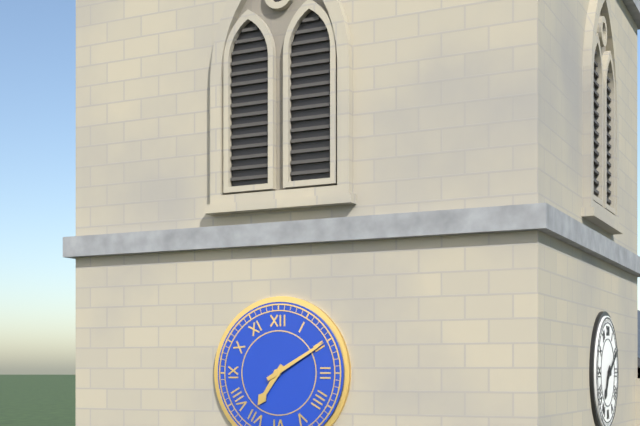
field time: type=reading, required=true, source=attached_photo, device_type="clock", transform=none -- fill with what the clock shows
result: 7:10
